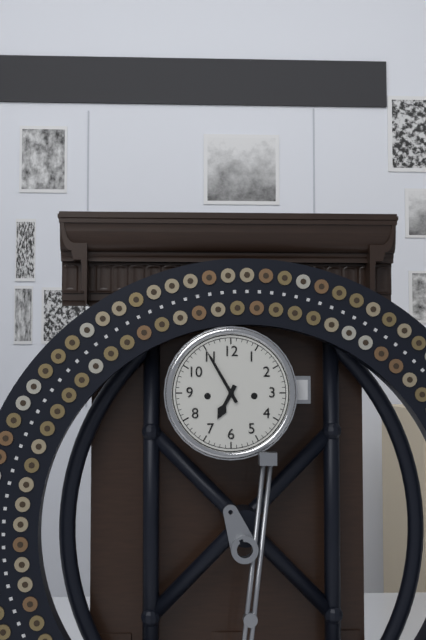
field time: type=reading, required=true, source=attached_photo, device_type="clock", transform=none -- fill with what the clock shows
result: 6:55
